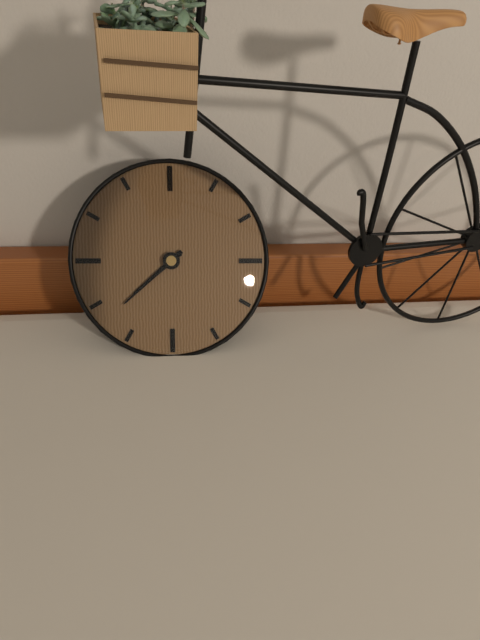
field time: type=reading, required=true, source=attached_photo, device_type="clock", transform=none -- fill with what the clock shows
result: 7:38
